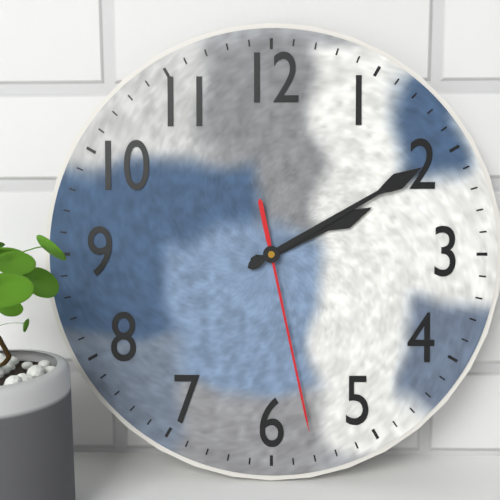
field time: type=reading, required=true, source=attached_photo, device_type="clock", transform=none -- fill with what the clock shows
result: 2:10:28
